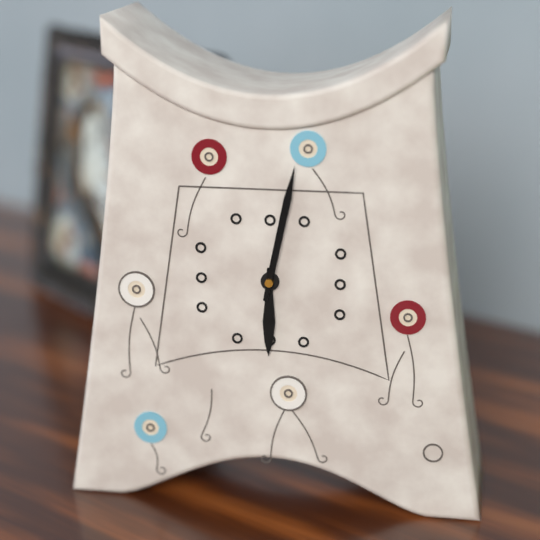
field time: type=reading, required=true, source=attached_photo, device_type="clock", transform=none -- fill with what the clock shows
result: 6:02
